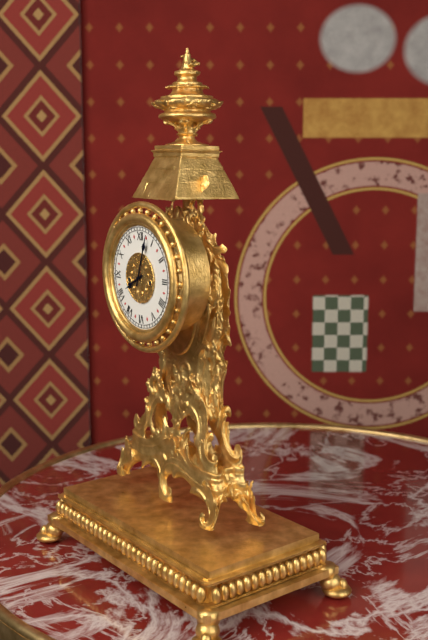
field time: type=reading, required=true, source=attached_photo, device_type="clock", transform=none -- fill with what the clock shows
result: 8:03
